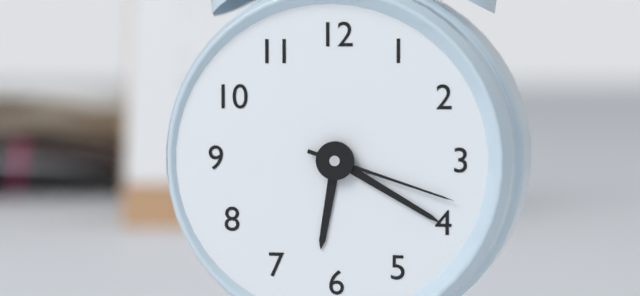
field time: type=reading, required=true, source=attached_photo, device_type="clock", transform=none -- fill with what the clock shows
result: 6:20:18
